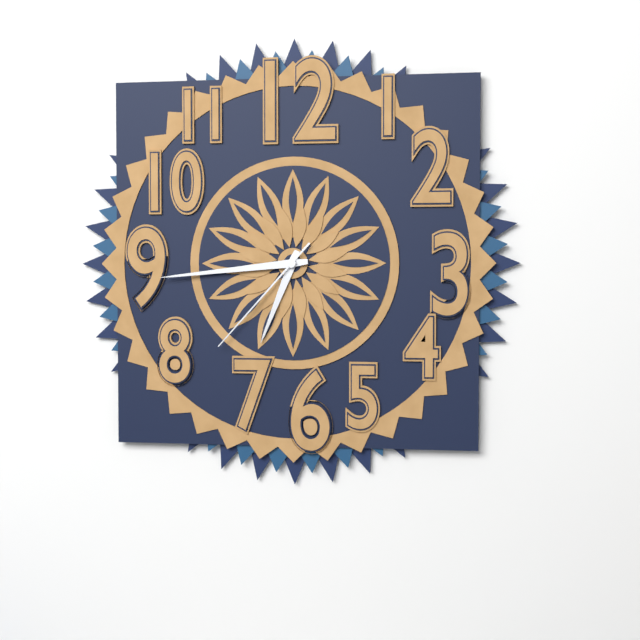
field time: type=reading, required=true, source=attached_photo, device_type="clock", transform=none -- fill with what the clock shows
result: 6:44:37
